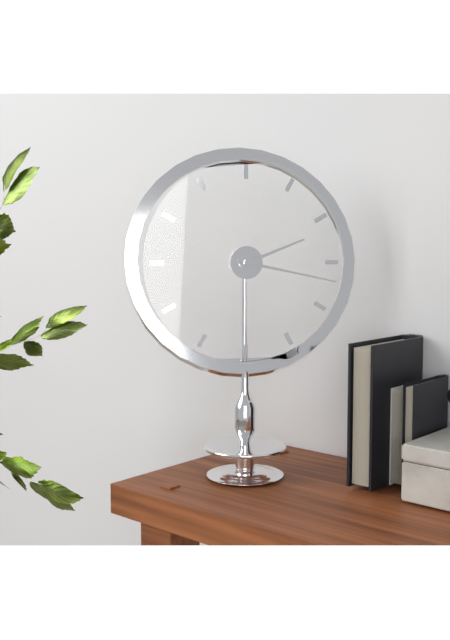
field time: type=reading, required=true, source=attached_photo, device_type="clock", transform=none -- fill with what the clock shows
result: 2:17
